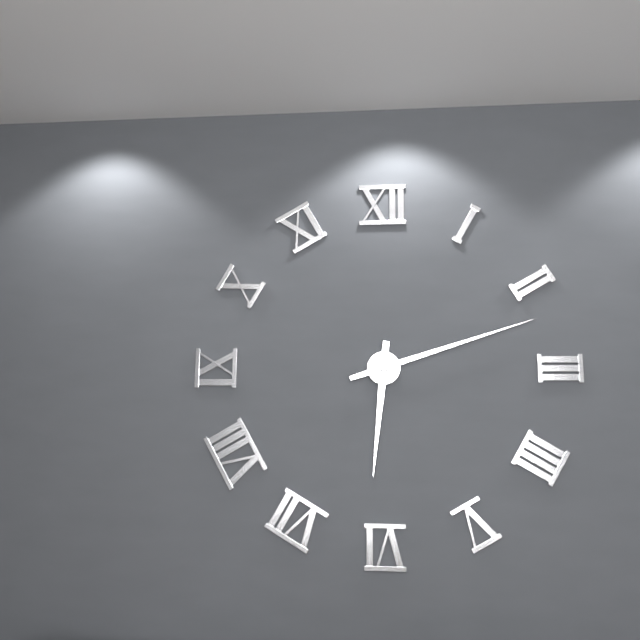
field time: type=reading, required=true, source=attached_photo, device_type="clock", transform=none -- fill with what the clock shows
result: 6:12
